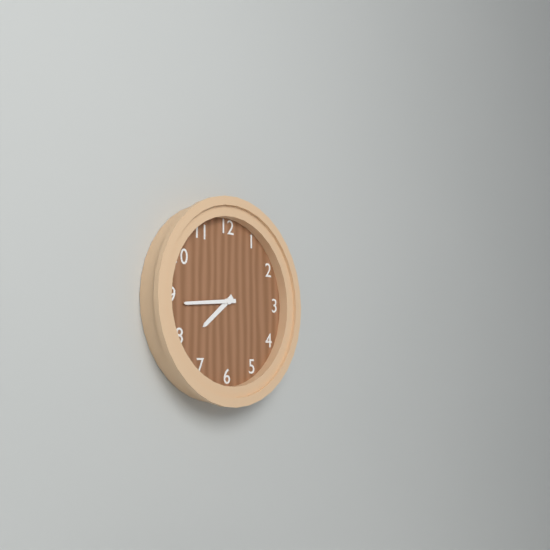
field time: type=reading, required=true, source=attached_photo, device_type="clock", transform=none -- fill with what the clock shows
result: 7:44
